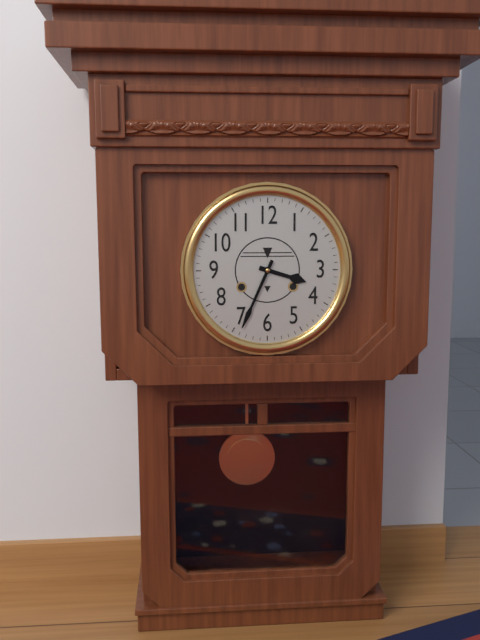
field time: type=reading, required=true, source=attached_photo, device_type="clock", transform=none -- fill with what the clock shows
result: 3:34
